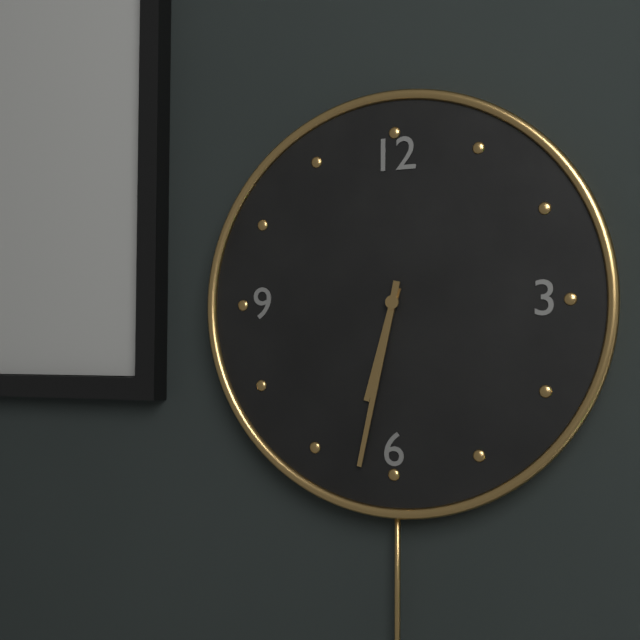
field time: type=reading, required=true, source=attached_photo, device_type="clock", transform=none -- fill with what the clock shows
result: 6:32
